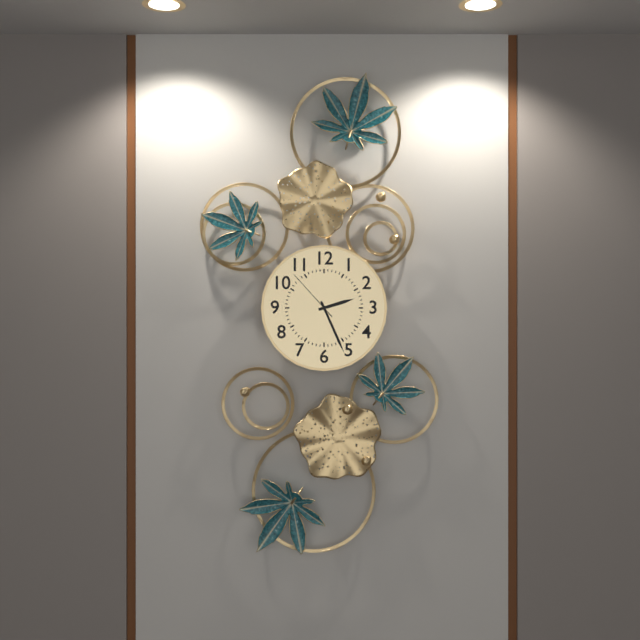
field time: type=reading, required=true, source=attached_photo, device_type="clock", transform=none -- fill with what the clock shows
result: 2:26:53
